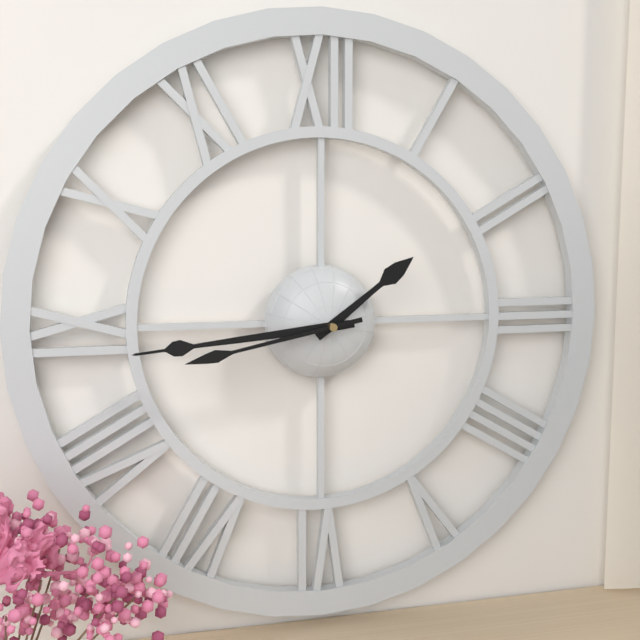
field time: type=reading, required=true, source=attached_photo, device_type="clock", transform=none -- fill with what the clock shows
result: 1:44:43
